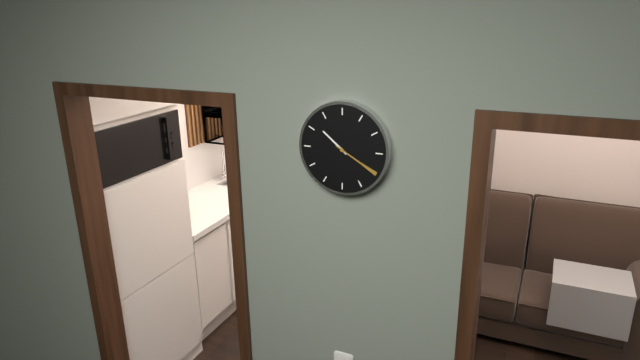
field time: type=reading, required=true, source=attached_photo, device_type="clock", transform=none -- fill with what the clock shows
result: 10:20
